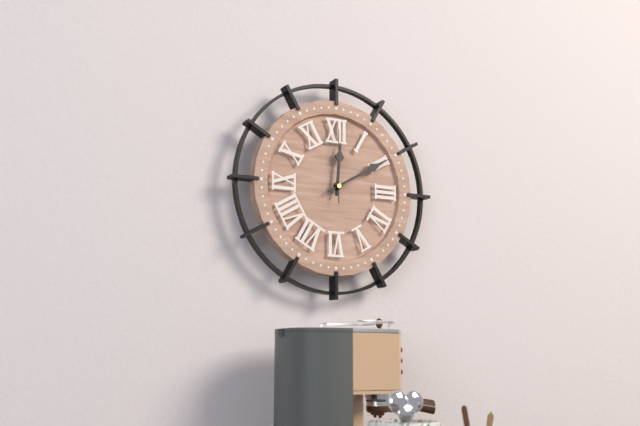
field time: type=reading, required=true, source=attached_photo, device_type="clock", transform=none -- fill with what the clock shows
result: 12:10:00
